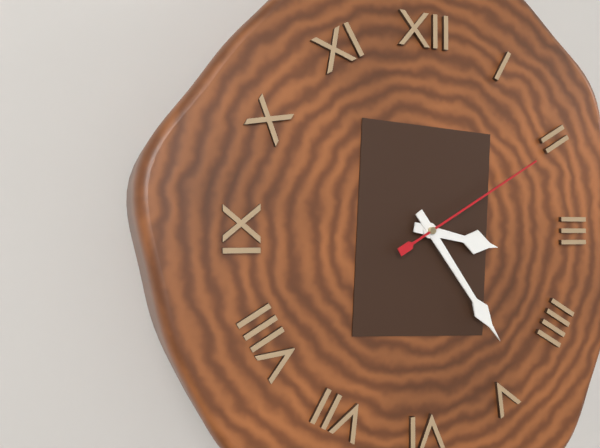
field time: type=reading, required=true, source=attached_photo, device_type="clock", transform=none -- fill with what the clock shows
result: 3:24:10
